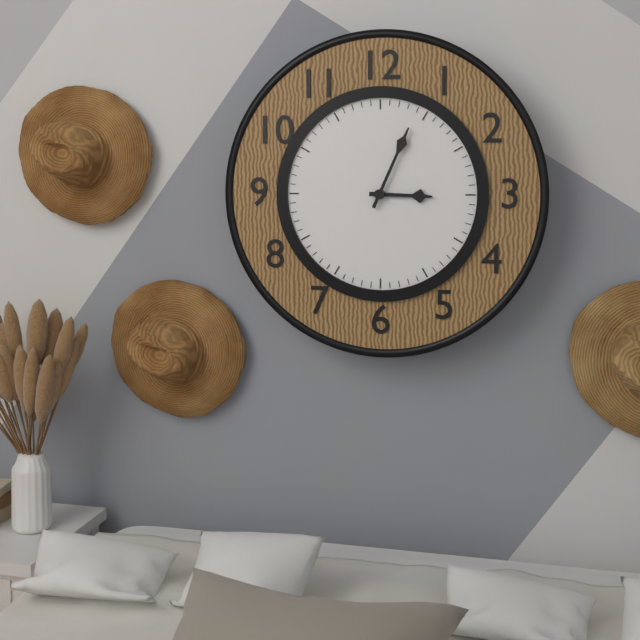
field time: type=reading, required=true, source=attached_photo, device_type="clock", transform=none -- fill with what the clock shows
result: 3:04
